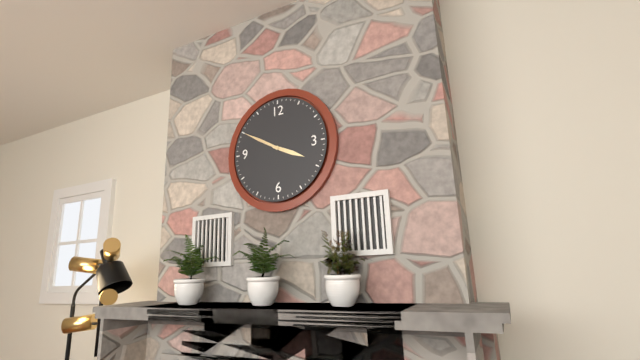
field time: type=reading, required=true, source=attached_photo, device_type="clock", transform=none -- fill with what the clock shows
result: 3:50
